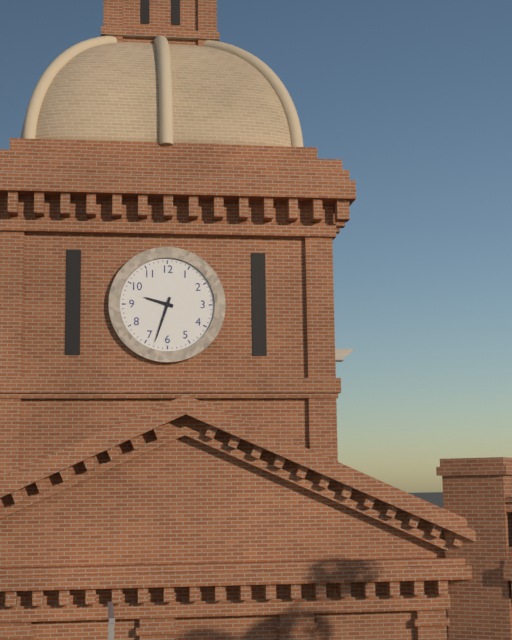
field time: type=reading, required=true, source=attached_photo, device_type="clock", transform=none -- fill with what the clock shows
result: 9:33
